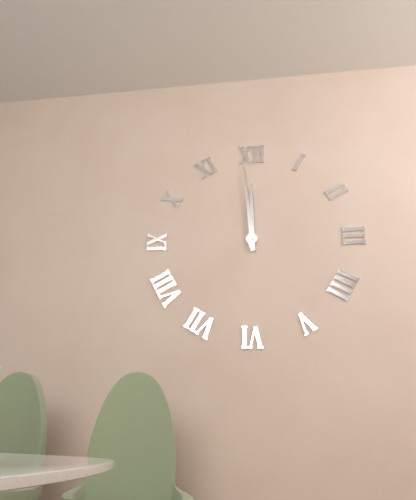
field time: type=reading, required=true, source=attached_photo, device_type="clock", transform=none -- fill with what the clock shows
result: 11:59
